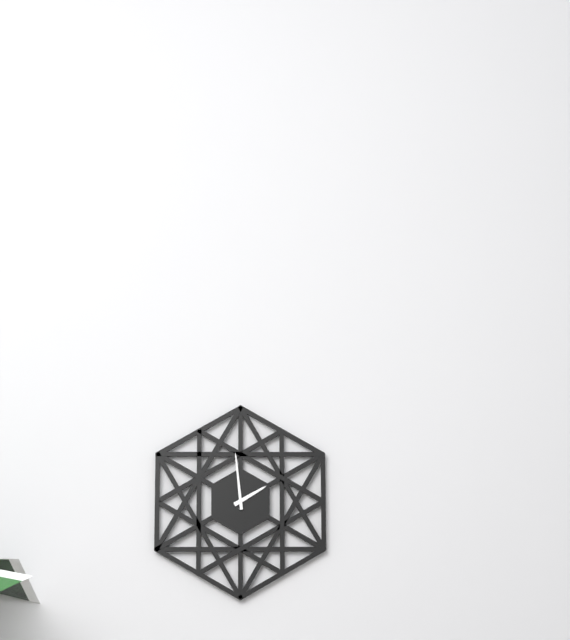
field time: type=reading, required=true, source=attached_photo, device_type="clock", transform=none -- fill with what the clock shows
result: 1:59
